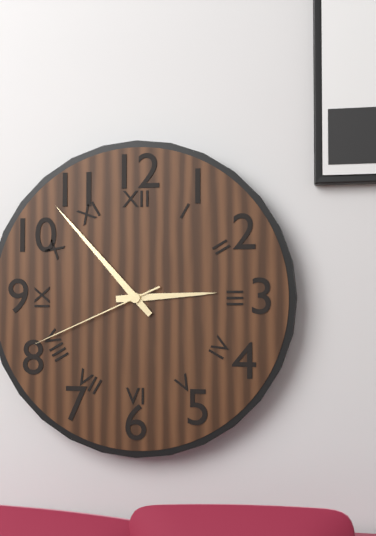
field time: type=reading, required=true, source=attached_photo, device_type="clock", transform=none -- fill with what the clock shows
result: 2:53:41
